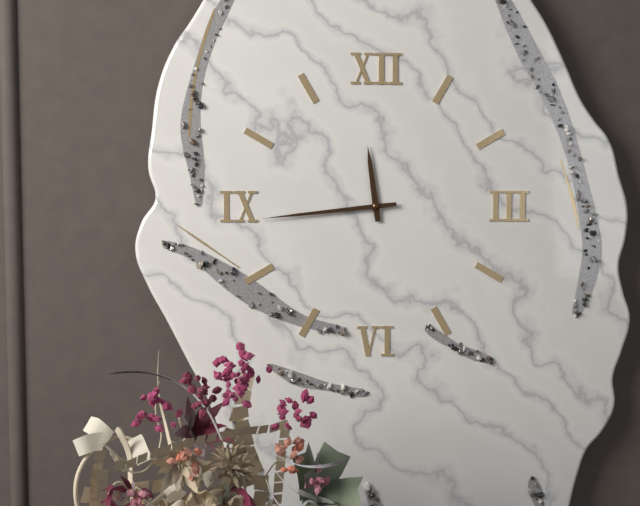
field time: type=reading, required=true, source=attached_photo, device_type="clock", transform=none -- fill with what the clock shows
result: 11:44
